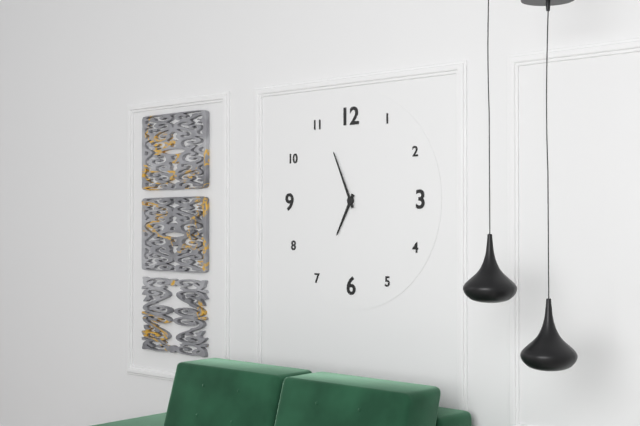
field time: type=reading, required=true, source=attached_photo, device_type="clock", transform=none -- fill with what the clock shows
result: 6:56
